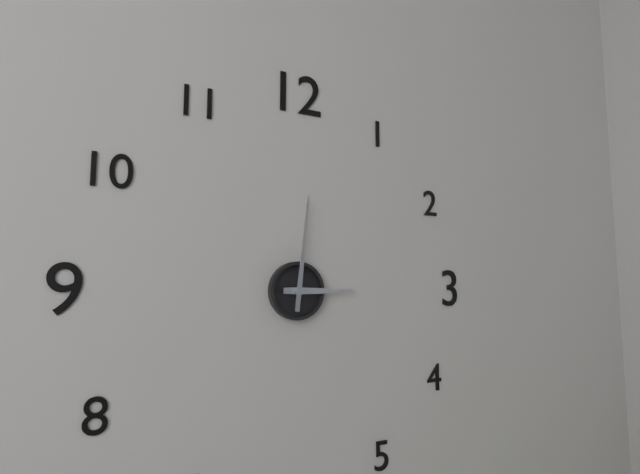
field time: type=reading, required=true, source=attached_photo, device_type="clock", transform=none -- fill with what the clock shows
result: 3:01
